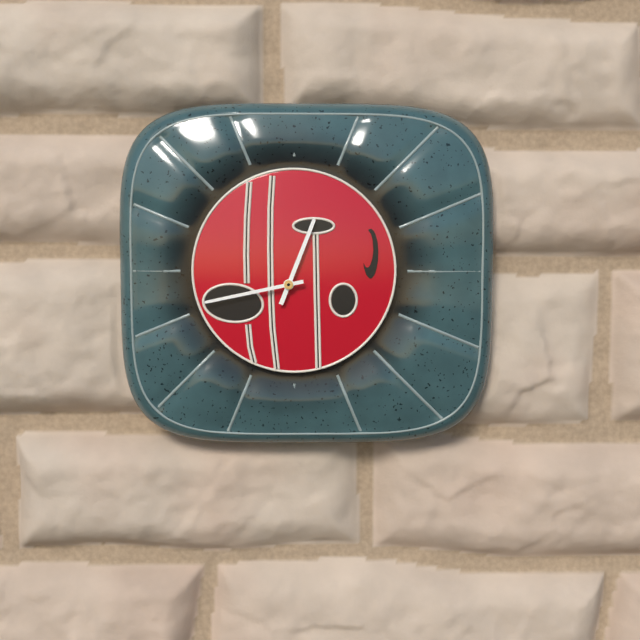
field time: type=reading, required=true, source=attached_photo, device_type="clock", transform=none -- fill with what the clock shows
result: 12:43
